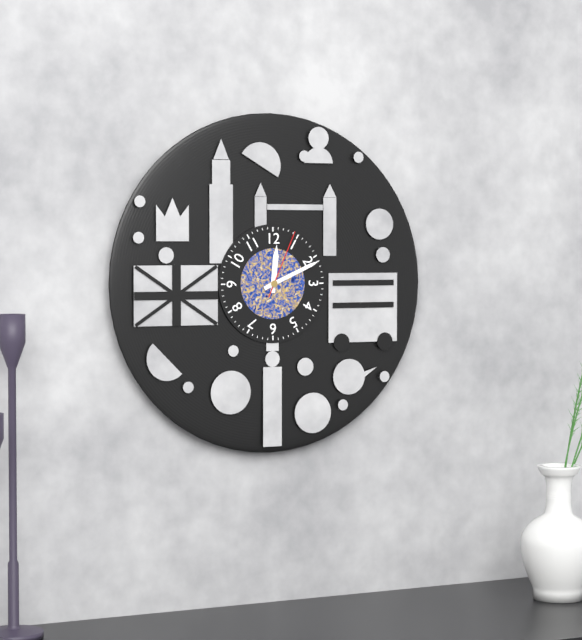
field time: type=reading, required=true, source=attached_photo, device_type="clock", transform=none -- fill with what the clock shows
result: 12:11:04
